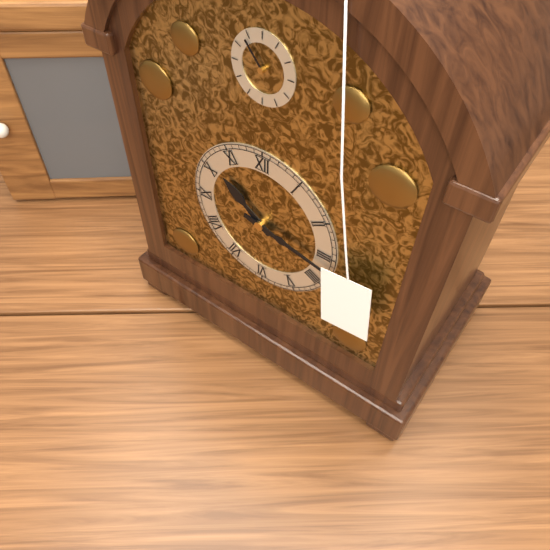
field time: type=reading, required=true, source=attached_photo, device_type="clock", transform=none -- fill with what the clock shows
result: 10:17
